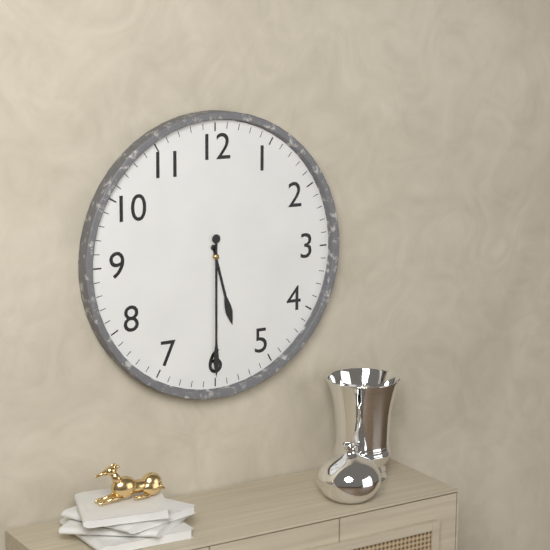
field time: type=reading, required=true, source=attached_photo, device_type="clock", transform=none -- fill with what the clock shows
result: 5:30
